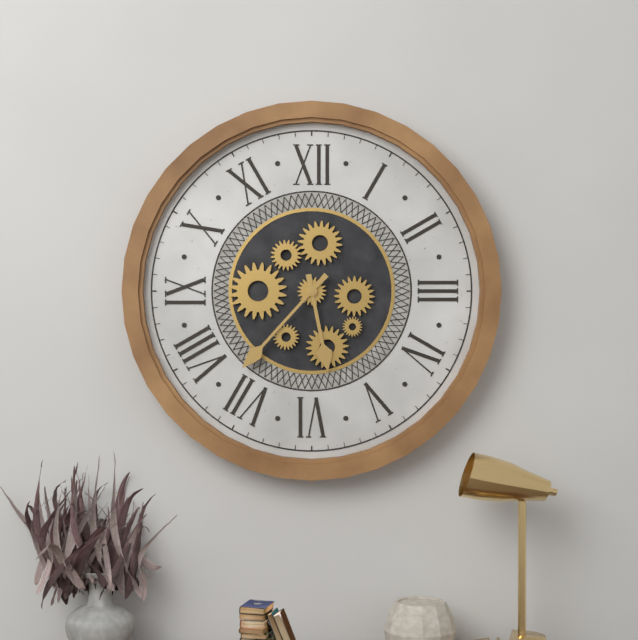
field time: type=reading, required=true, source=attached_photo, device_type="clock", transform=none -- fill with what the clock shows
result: 5:37
